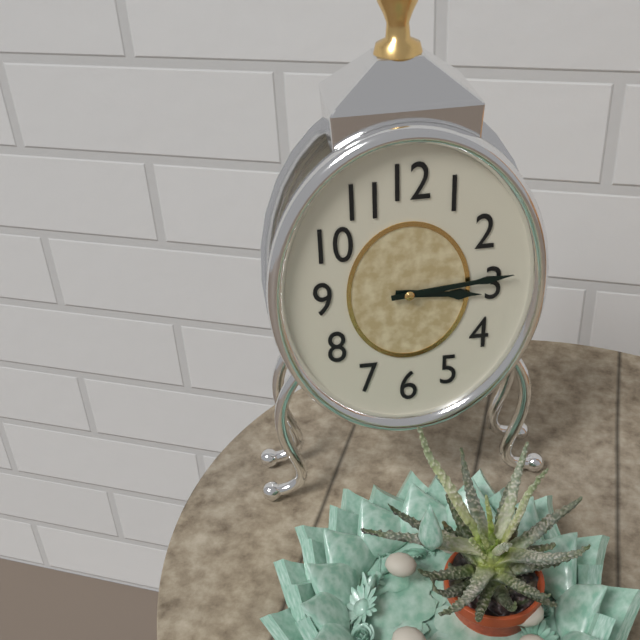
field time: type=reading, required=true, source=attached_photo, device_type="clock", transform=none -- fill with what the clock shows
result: 3:14
